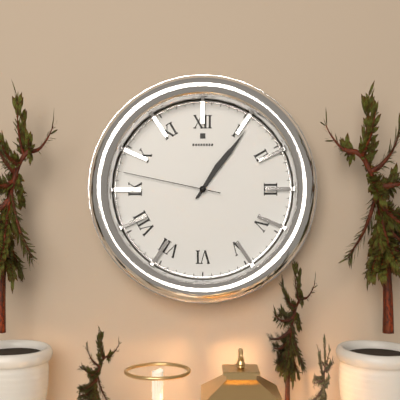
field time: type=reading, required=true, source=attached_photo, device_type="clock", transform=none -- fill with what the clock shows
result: 1:06:47
